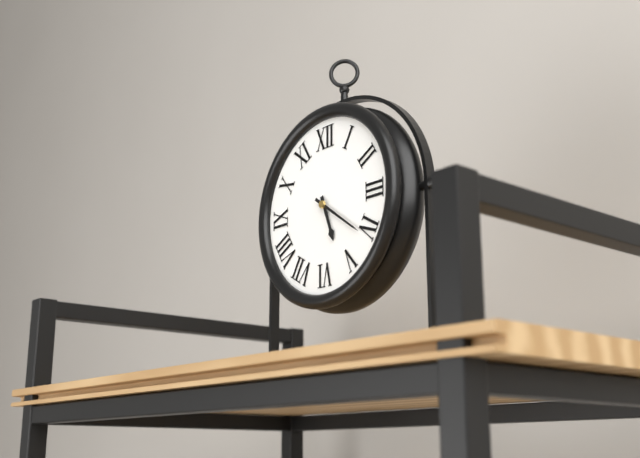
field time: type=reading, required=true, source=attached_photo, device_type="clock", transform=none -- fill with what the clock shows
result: 5:21
